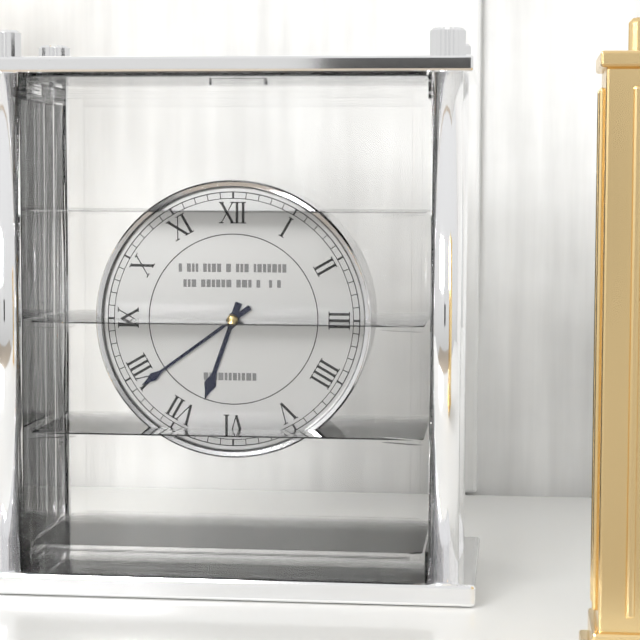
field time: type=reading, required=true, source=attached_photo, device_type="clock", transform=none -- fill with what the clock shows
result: 6:39
